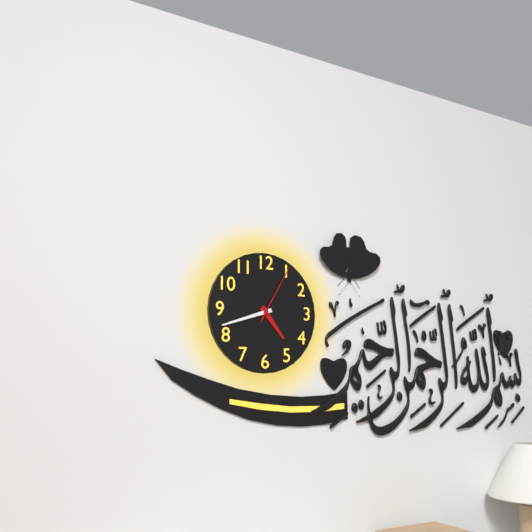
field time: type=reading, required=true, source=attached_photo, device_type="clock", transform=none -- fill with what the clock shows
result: 4:42:05
